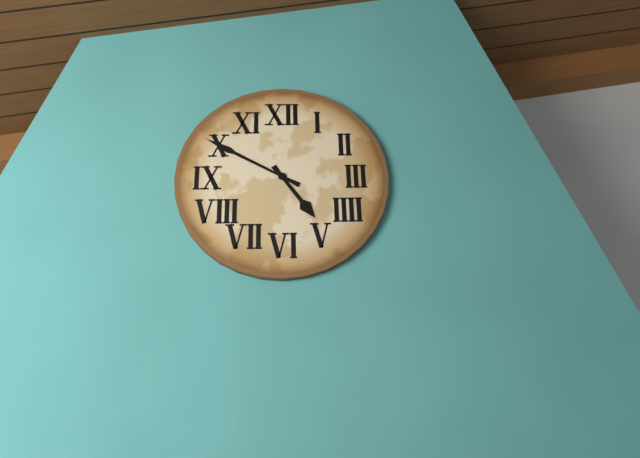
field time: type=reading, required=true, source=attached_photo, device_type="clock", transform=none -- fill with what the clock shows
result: 4:50
